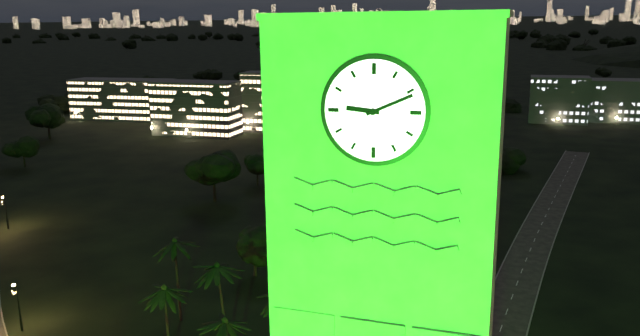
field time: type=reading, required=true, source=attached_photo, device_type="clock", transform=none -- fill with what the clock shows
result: 9:11
